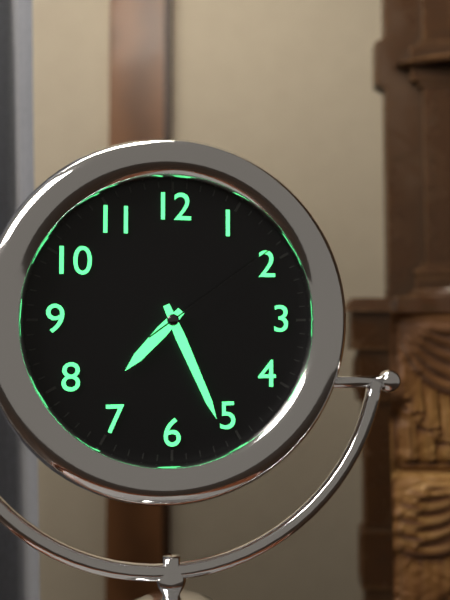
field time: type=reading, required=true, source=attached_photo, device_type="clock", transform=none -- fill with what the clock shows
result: 7:26:09
